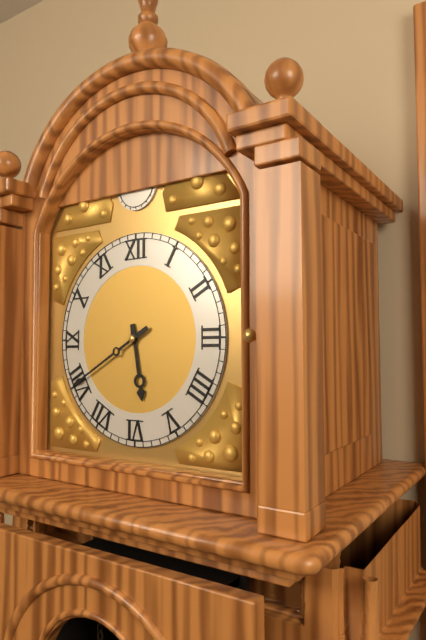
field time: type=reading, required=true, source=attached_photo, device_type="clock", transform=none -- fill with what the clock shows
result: 5:40
